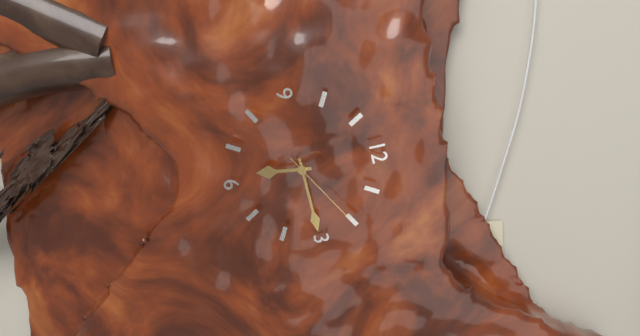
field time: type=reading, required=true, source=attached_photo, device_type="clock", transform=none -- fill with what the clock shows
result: 6:15:10
